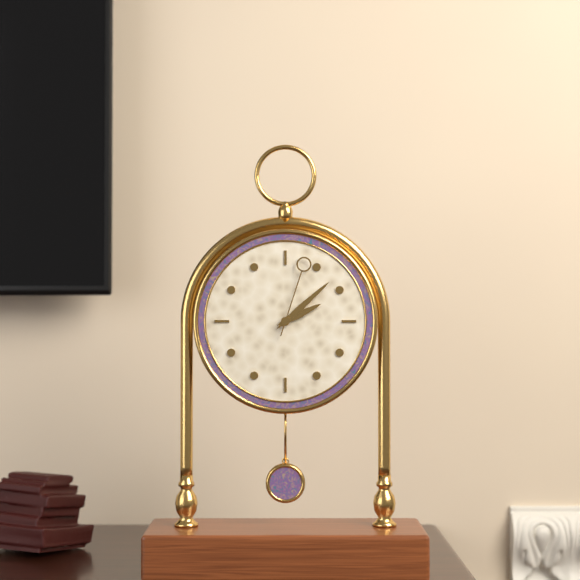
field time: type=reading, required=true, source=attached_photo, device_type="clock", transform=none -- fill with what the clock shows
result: 2:08:03
